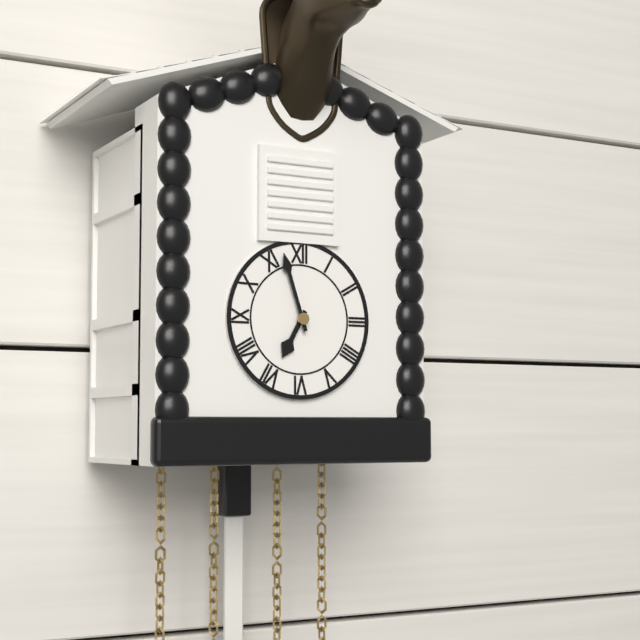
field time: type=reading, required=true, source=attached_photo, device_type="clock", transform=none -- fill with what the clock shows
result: 6:57
